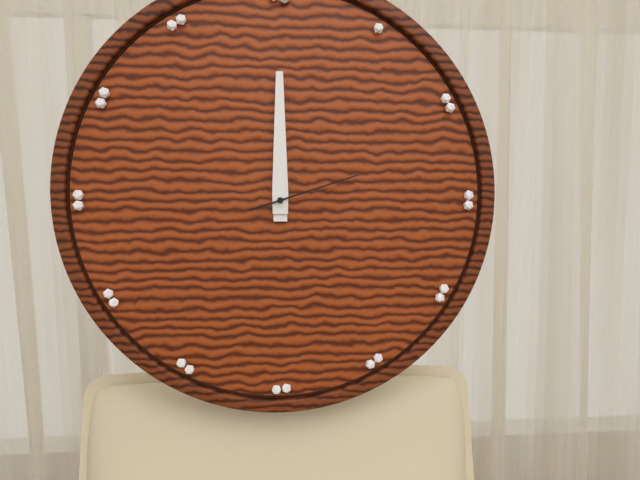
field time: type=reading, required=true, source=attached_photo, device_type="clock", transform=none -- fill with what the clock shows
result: 12:00:12
